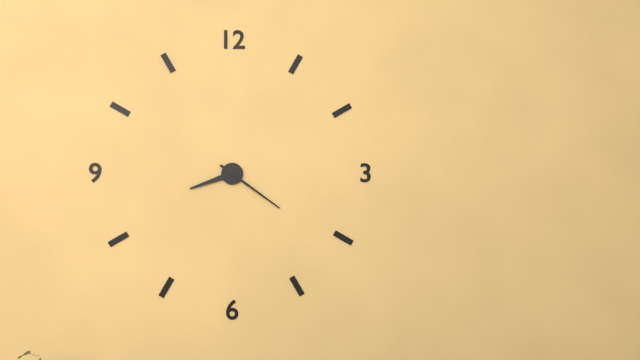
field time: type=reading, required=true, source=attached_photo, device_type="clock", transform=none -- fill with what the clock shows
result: 8:21
